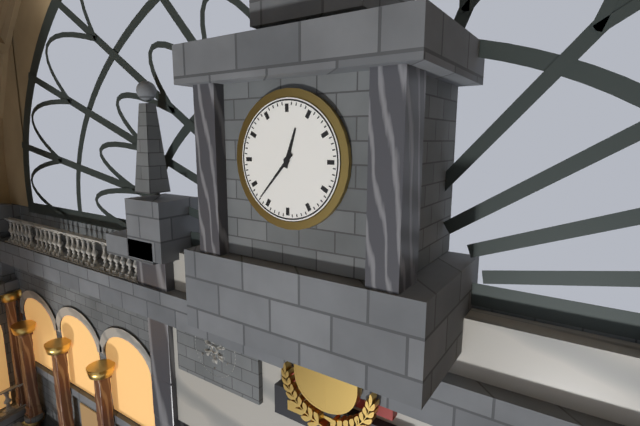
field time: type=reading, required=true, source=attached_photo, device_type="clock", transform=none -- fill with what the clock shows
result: 12:37
